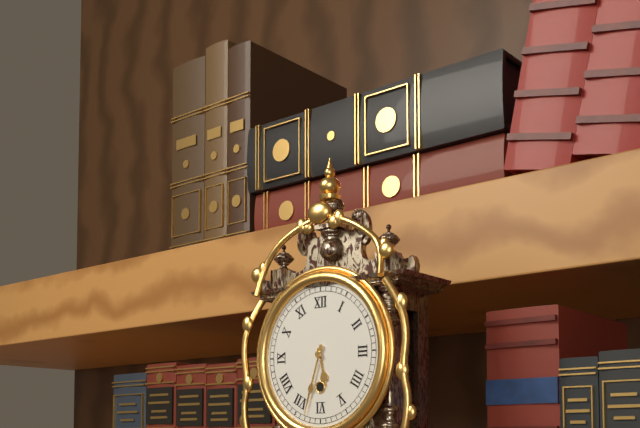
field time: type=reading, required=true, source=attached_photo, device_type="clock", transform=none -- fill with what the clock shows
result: 5:33
